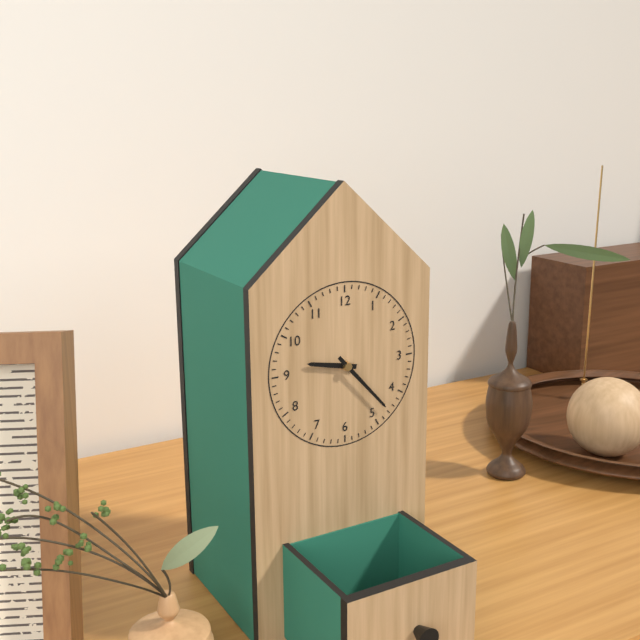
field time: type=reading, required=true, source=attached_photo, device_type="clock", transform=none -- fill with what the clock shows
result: 9:23
